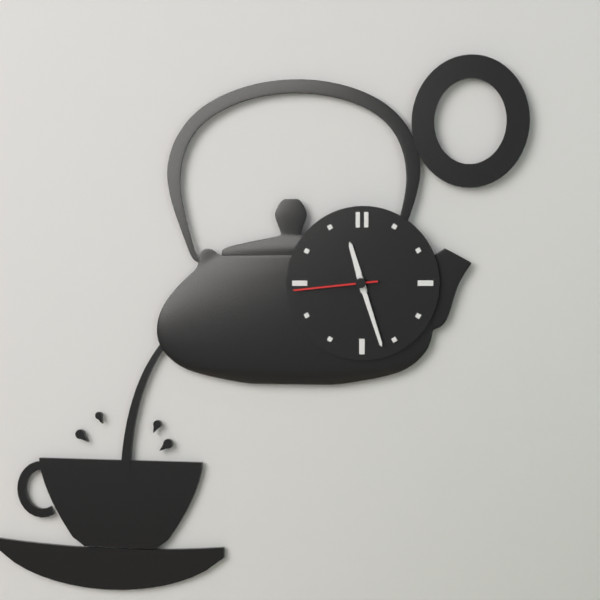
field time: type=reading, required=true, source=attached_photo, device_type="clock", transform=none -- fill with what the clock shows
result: 11:27:44
